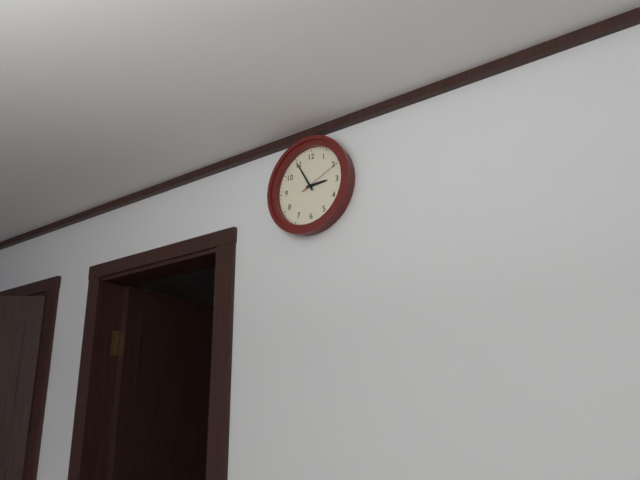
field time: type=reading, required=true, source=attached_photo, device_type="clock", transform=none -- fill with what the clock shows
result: 2:55
